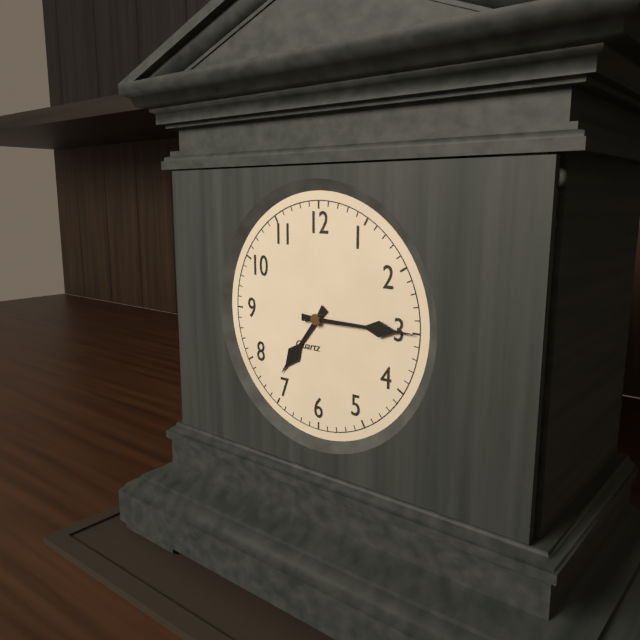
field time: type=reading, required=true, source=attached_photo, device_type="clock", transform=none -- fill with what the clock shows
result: 7:15
